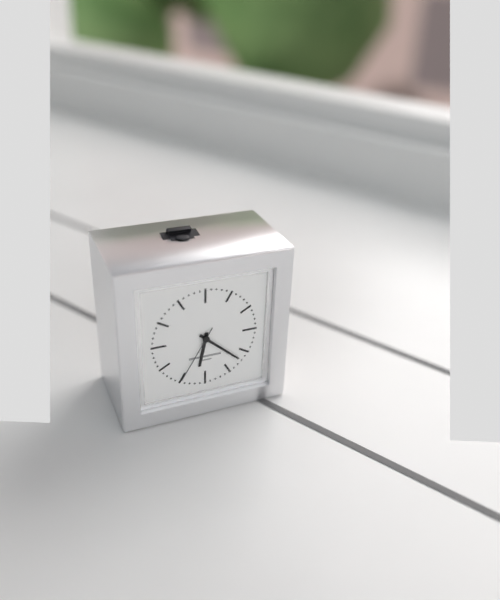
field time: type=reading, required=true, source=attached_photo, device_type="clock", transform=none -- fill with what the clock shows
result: 6:22:35
